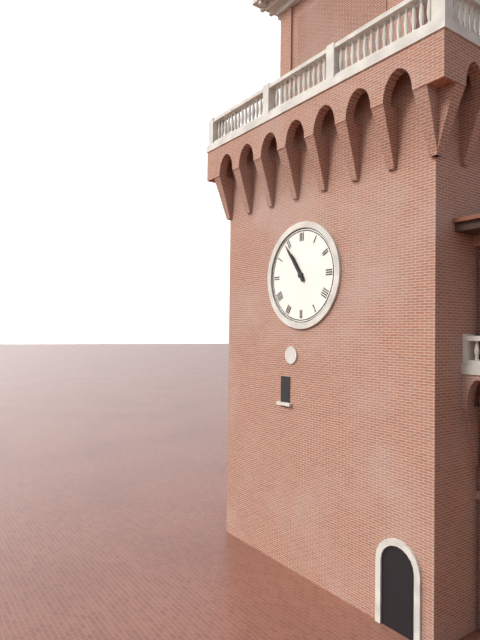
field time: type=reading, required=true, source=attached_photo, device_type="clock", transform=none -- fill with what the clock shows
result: 10:54
